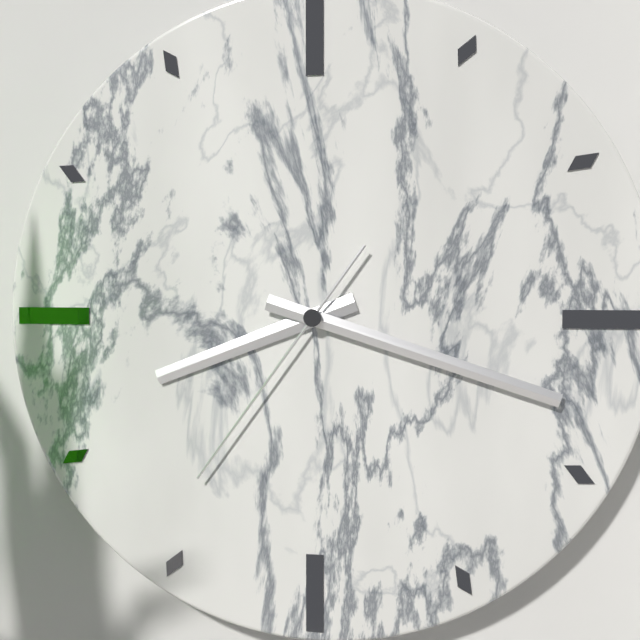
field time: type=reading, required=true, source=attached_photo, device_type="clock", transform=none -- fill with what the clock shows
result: 8:18:36
